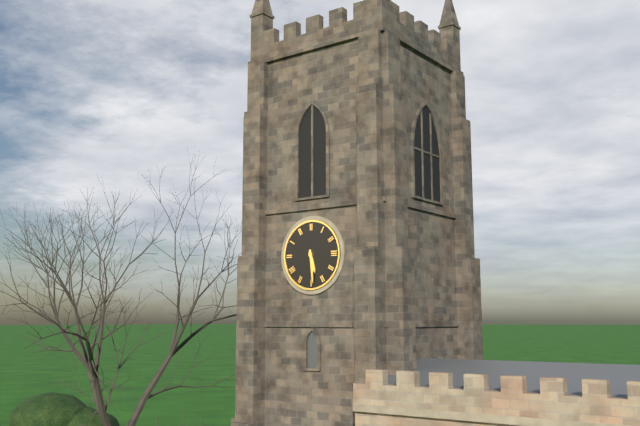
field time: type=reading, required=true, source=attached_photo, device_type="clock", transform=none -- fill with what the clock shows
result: 5:29
